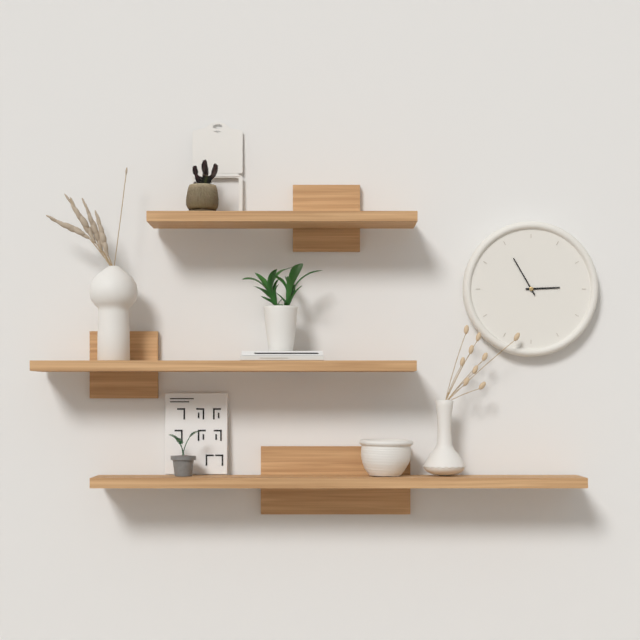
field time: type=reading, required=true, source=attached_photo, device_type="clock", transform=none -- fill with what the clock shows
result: 2:55
